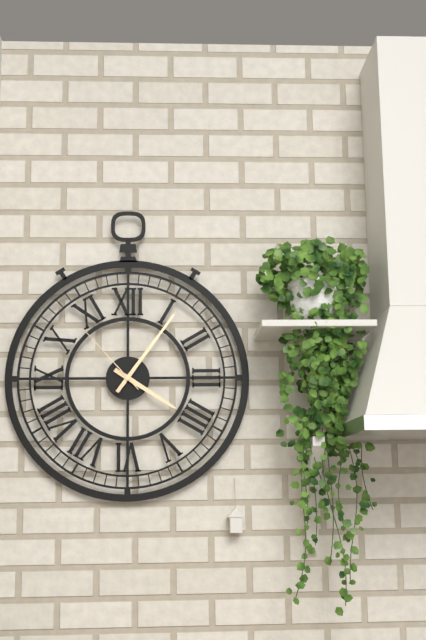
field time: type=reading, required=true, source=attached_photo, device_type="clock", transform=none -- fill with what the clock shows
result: 4:06:53
